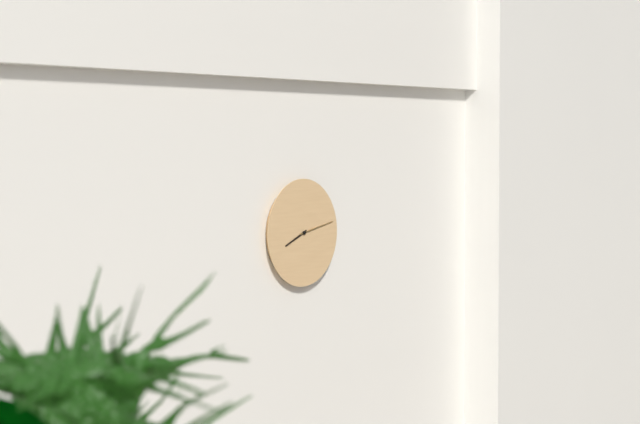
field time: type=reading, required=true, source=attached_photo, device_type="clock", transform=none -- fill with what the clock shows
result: 8:13
